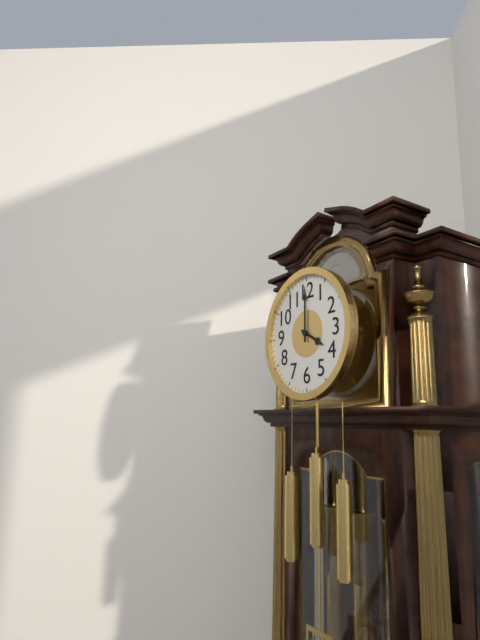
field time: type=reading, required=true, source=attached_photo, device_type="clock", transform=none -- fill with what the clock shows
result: 4:00
